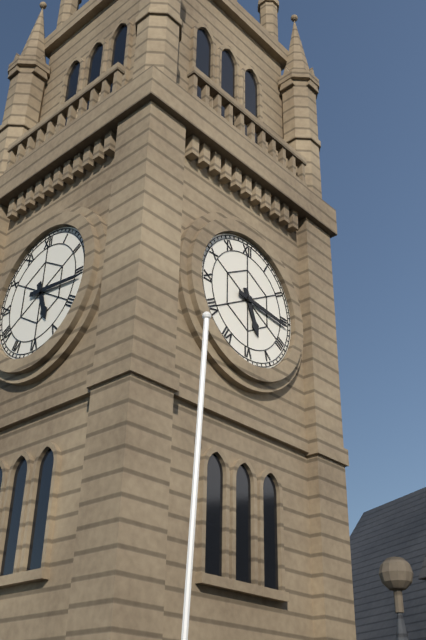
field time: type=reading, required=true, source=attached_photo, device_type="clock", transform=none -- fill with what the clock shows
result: 5:16
